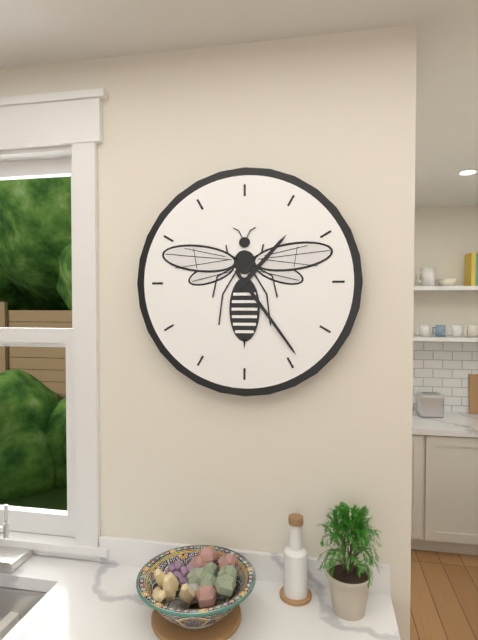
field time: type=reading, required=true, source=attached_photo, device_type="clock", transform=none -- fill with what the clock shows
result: 1:24
